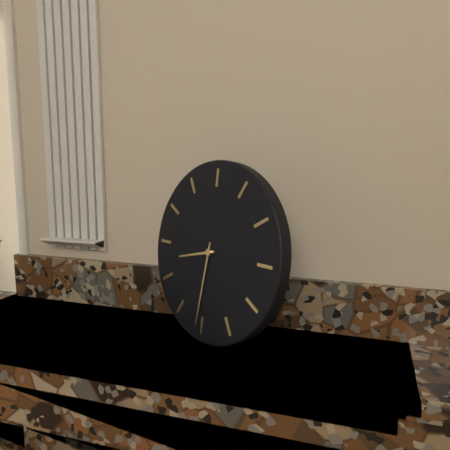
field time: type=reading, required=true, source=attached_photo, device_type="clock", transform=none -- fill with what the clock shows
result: 8:31
